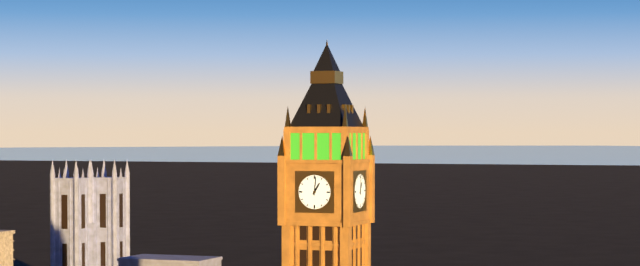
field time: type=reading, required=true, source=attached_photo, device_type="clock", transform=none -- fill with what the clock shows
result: 1:01
